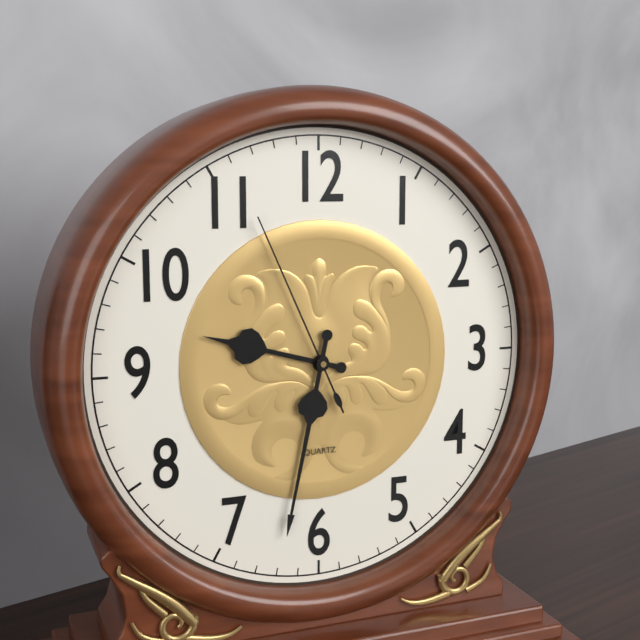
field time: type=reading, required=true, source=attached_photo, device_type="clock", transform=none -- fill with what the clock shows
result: 9:32:56
